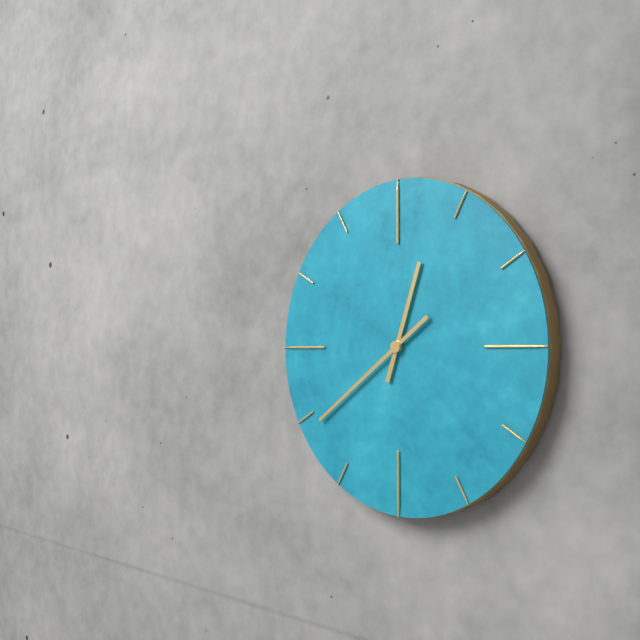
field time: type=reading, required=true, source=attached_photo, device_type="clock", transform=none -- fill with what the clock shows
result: 12:39
